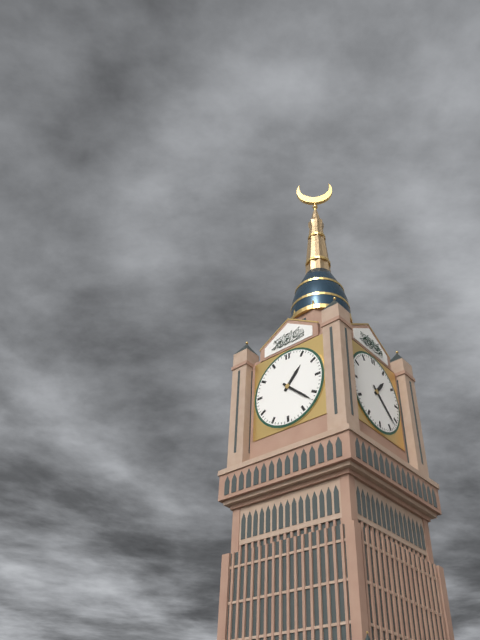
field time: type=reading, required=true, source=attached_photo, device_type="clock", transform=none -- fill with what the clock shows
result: 1:22
